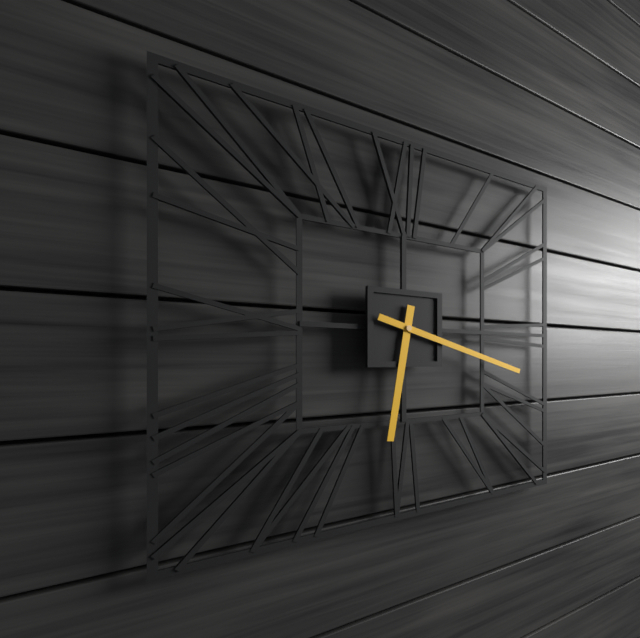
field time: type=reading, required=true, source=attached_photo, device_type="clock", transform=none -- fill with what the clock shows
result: 6:18
